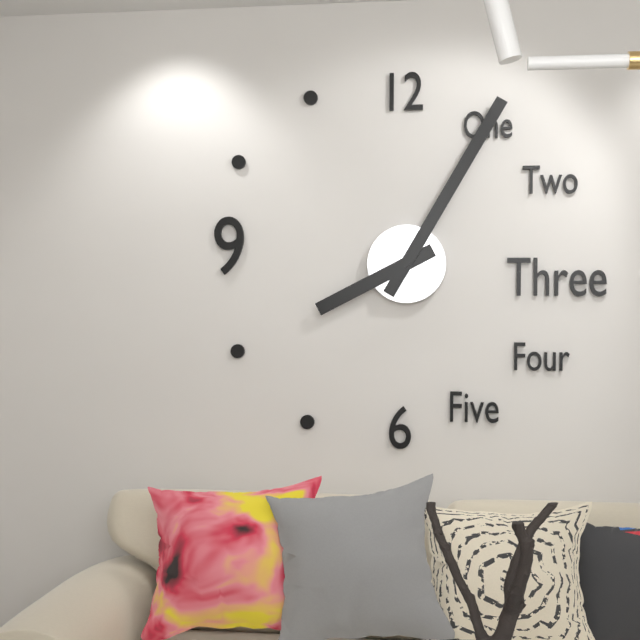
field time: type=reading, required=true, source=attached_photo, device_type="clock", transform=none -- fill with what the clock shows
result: 8:05
